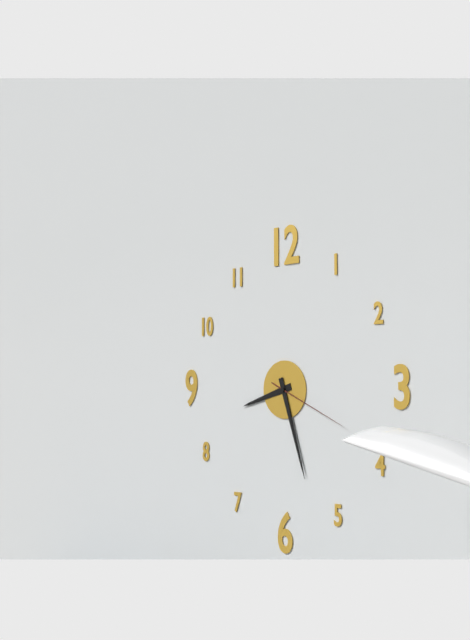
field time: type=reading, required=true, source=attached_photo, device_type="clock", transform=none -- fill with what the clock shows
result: 8:27:19
